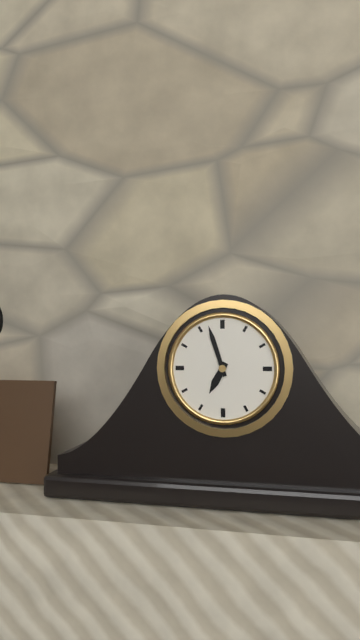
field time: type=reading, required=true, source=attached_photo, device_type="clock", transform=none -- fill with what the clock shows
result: 6:57
